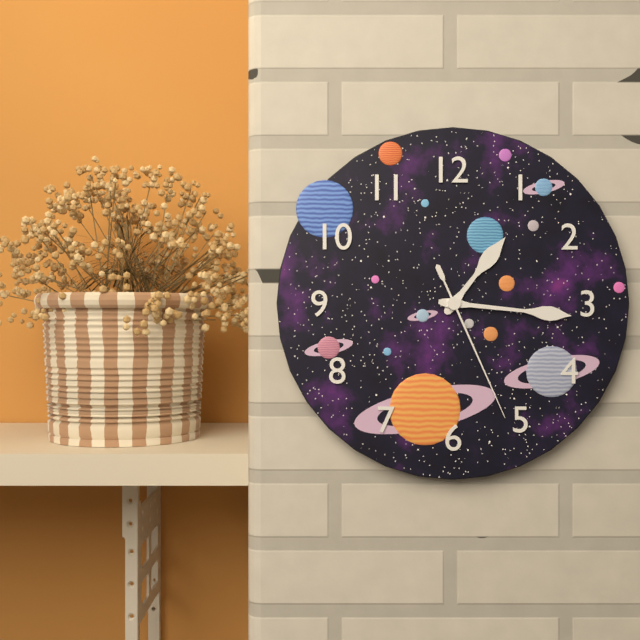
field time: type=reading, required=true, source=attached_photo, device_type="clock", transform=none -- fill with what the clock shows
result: 1:16:26
